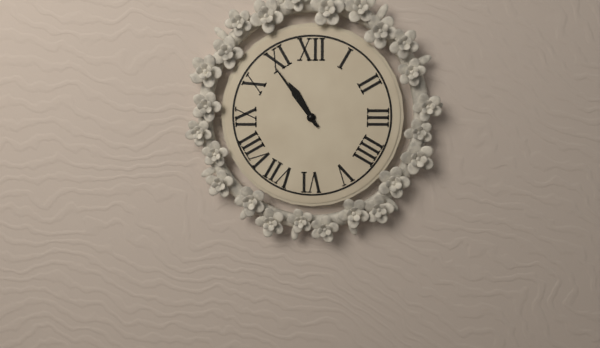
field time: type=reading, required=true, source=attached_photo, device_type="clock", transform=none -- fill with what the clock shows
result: 10:54
